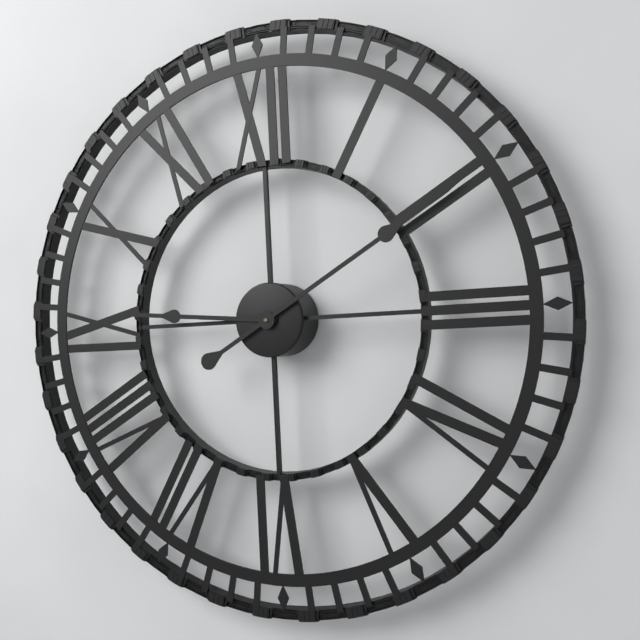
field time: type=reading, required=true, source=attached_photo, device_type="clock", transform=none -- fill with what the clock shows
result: 9:10
